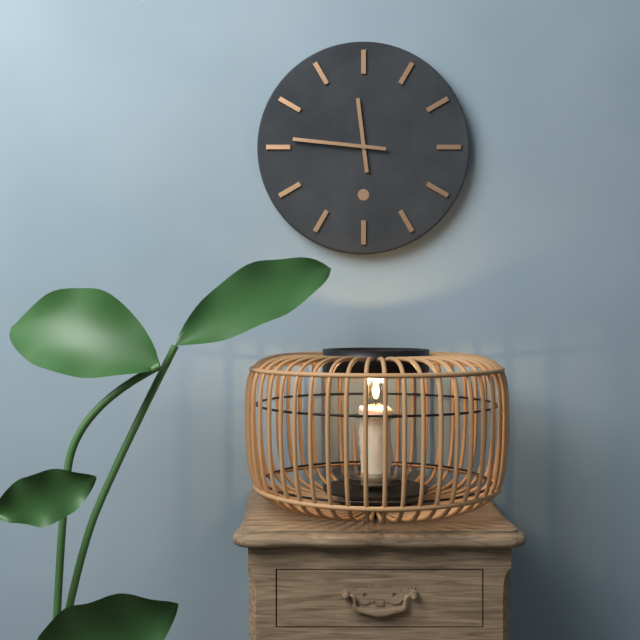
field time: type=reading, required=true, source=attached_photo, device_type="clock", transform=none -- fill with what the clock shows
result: 11:46
